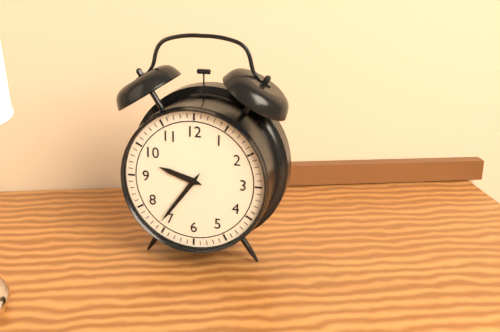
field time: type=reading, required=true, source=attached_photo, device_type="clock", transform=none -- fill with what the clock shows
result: 9:36
